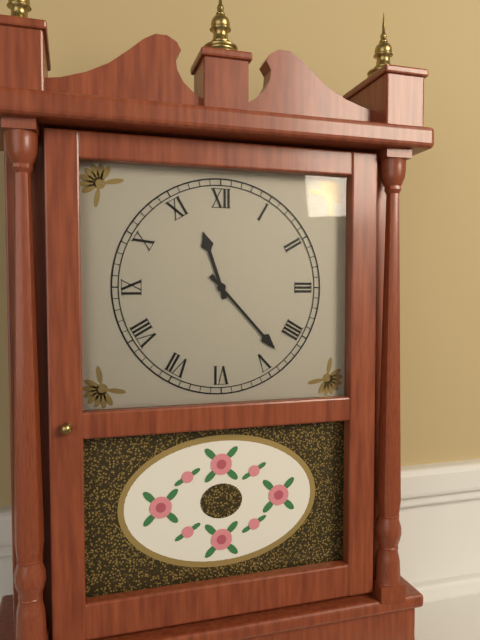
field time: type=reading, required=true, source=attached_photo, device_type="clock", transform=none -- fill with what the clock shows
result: 11:23
